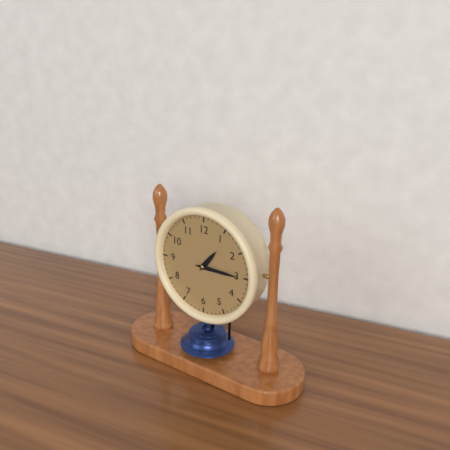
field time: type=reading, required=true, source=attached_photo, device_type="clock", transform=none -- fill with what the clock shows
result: 1:15
